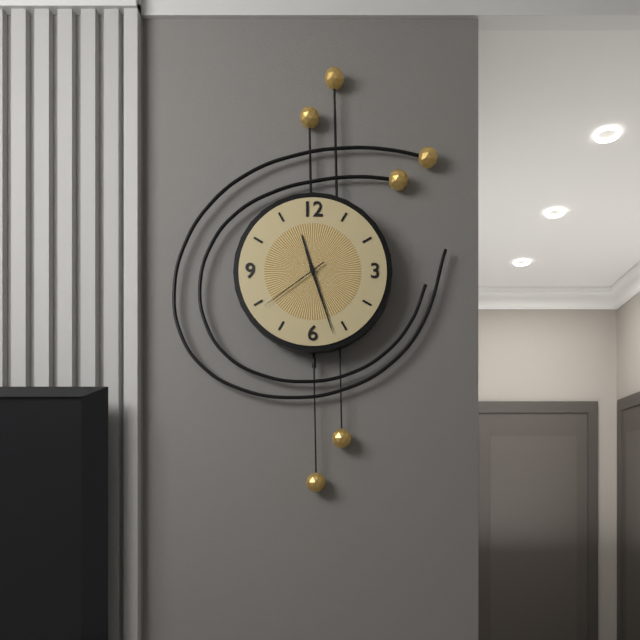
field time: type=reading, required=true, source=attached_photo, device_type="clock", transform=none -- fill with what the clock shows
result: 11:27:39
